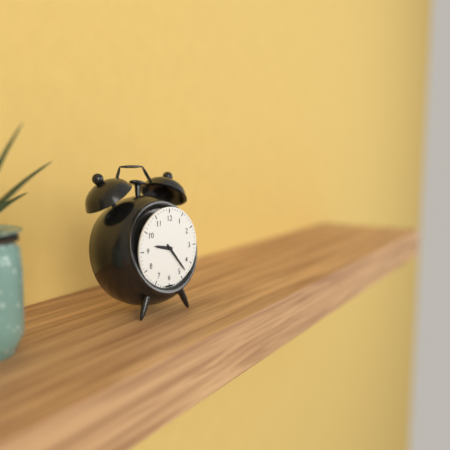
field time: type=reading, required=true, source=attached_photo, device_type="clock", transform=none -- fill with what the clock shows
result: 9:23
